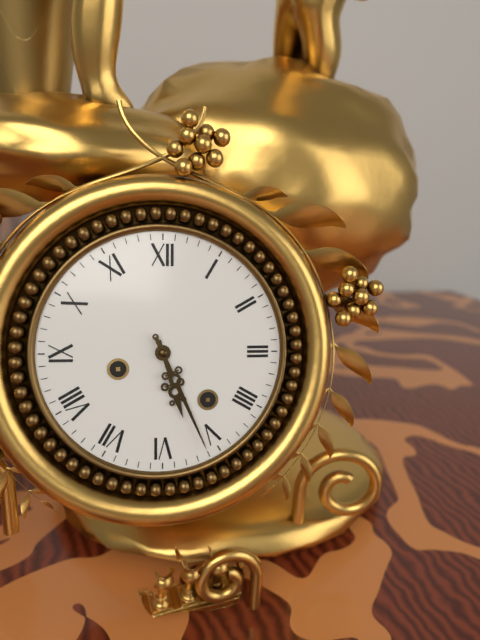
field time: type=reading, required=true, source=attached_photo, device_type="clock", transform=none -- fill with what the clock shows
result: 5:26
